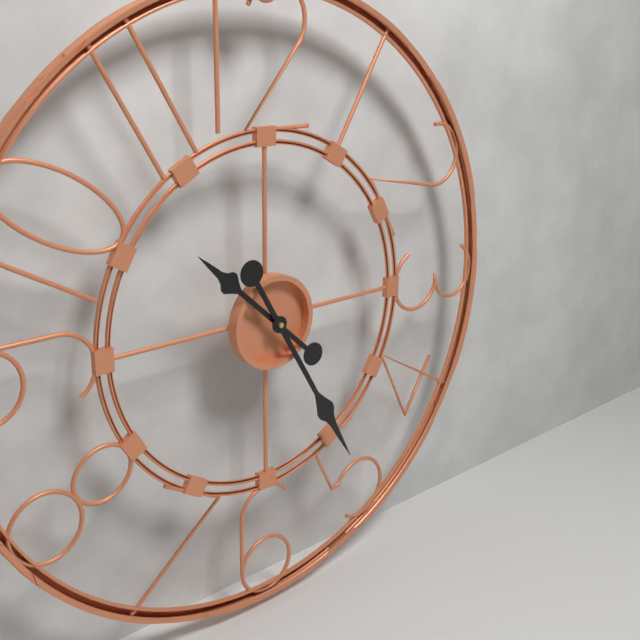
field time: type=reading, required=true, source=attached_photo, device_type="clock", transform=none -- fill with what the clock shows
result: 10:25
